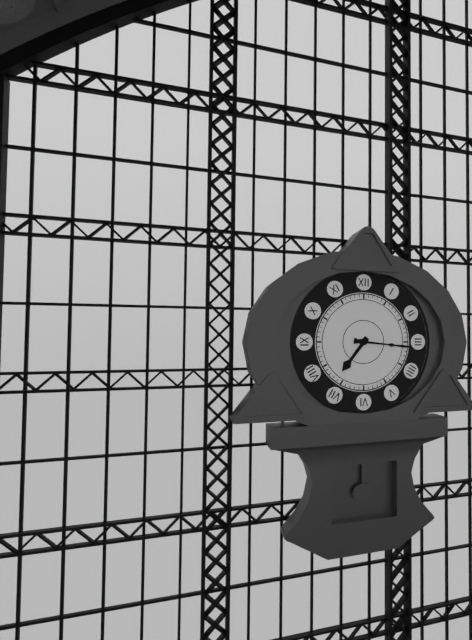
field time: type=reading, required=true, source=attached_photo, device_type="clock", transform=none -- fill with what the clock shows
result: 7:16
